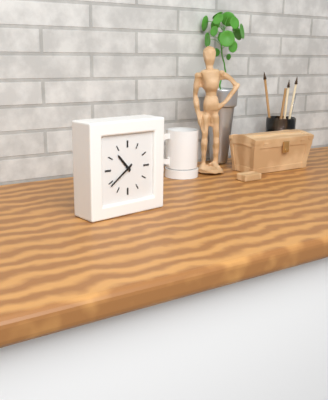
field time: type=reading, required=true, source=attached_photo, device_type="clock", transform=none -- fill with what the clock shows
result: 10:39
